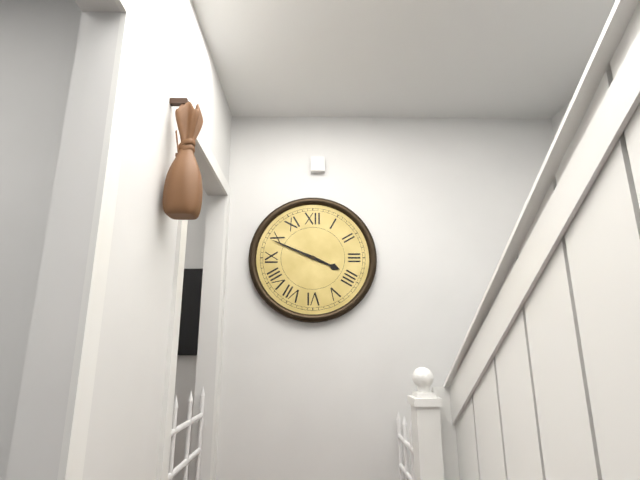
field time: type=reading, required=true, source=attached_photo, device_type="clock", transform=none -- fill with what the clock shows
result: 3:49
